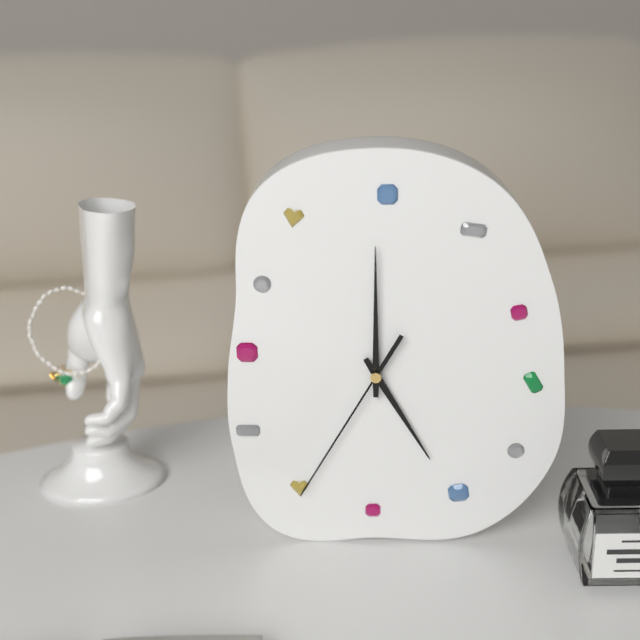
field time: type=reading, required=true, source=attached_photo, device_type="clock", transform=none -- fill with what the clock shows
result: 5:00:35
